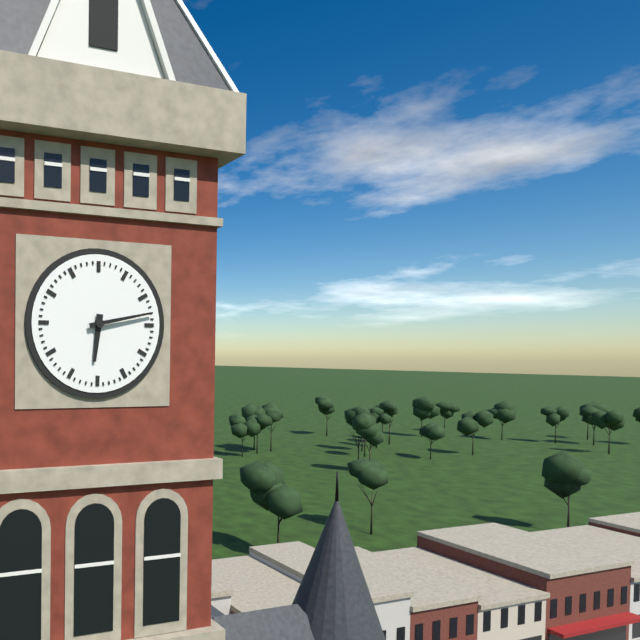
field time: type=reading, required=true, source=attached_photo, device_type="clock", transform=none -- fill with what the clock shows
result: 6:13
